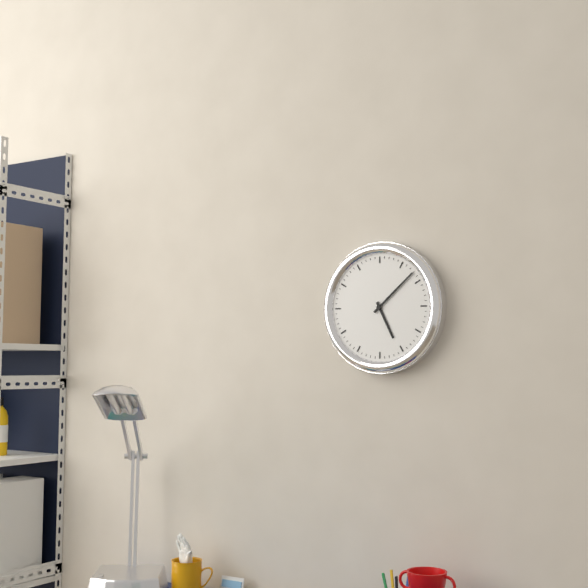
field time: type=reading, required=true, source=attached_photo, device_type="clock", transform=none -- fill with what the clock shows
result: 5:08
